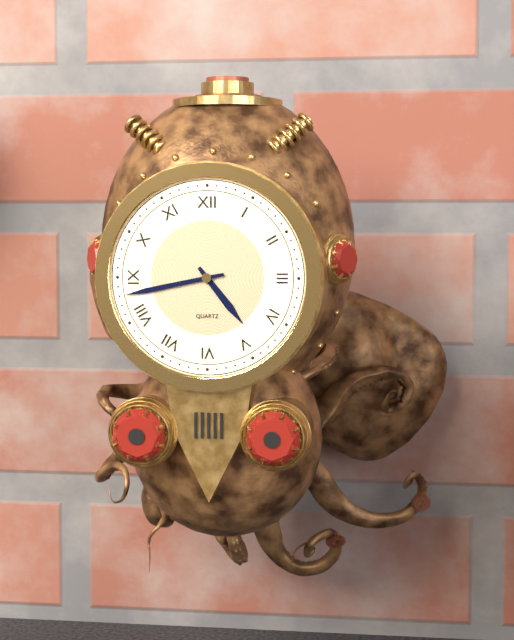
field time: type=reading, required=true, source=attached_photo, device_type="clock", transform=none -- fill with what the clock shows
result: 4:43
